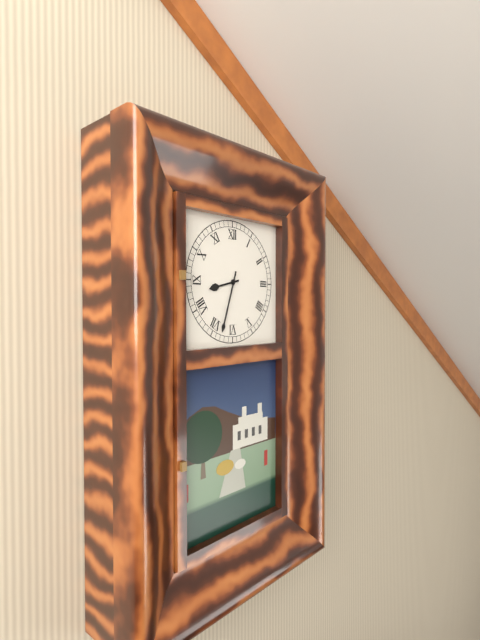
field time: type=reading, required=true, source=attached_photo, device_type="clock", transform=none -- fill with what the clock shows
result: 8:33
